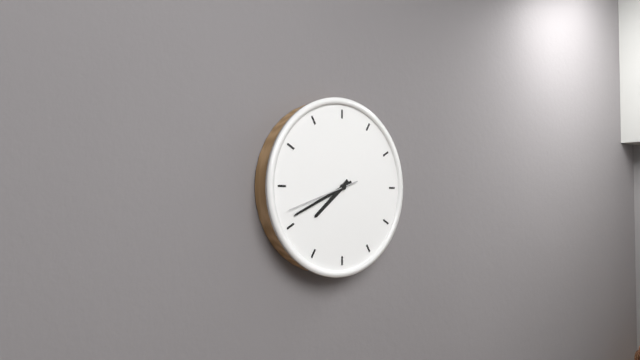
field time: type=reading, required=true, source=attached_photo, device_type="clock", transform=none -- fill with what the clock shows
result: 7:41:42
